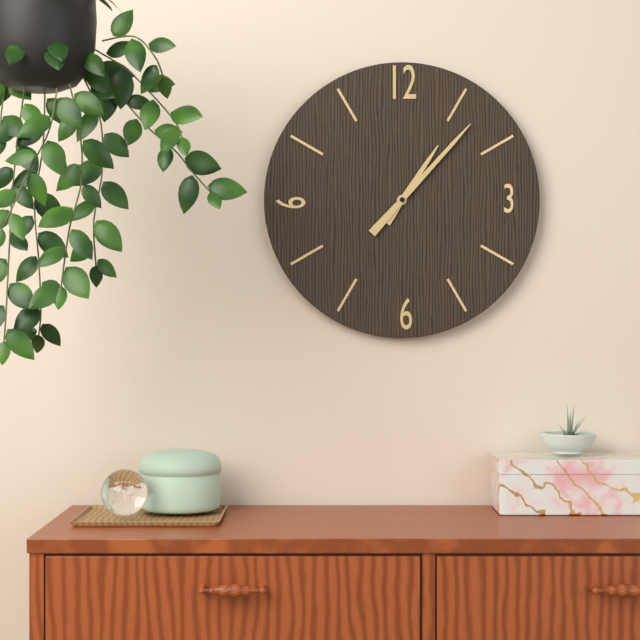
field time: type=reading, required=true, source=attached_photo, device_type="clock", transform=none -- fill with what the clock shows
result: 1:07
